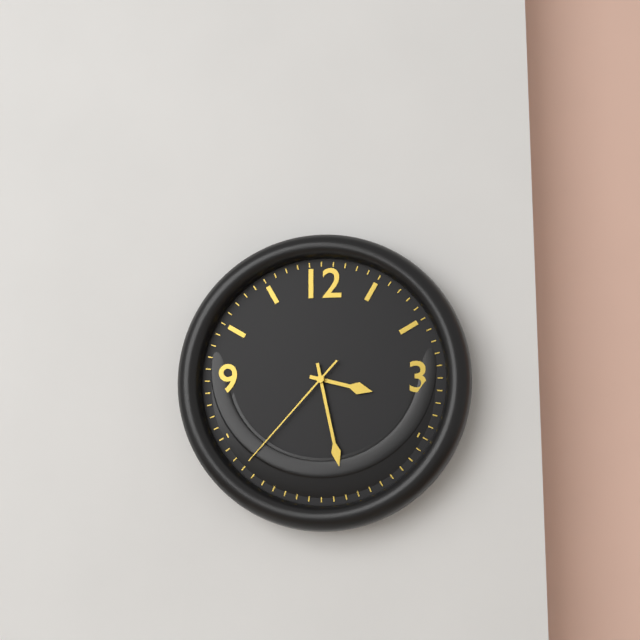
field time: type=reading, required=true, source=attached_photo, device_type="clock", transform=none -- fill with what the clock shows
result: 3:28:37
